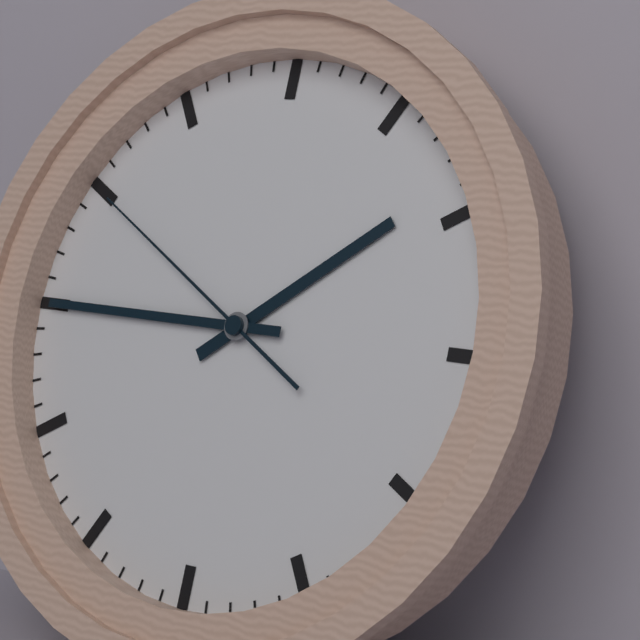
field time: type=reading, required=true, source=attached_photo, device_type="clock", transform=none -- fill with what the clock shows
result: 1:45:50
